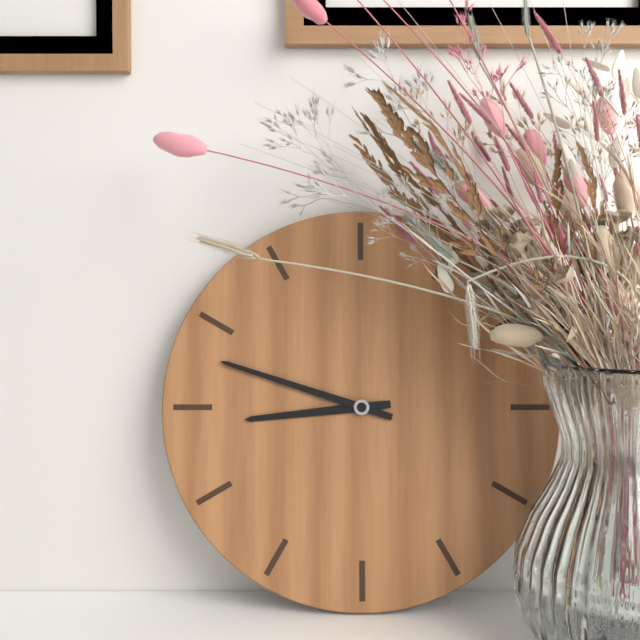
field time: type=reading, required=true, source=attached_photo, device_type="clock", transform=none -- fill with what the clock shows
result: 8:48
